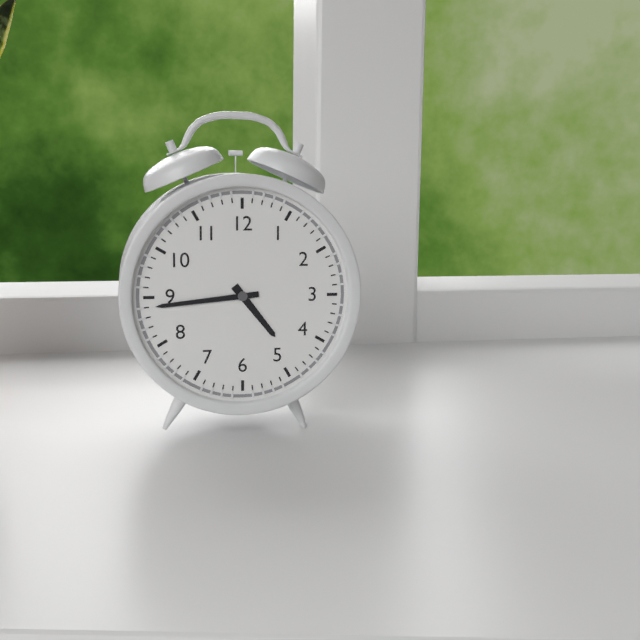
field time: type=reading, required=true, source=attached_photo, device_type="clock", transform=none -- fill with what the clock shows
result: 4:44
